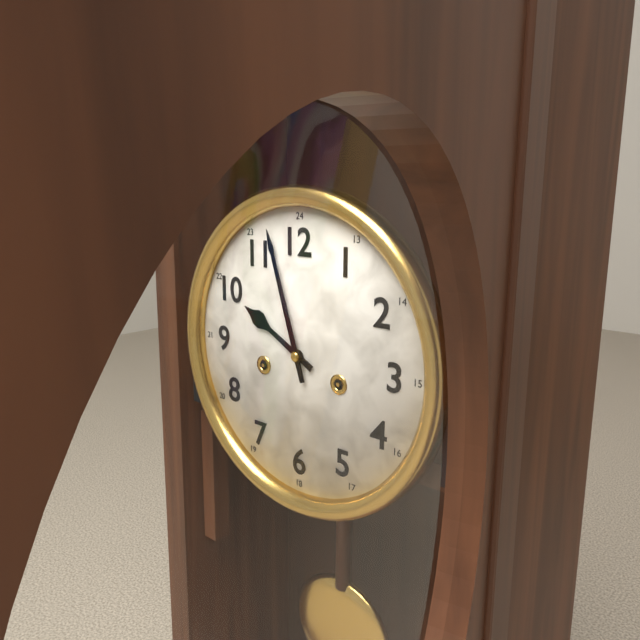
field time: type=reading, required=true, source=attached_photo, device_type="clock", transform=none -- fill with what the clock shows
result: 9:57
